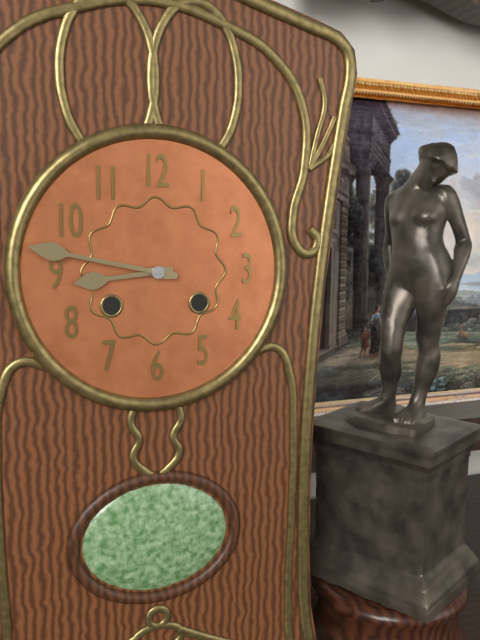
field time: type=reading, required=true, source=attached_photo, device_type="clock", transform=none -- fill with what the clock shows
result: 8:47
